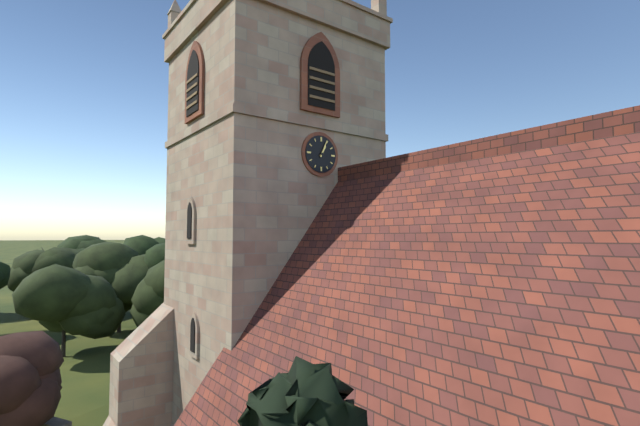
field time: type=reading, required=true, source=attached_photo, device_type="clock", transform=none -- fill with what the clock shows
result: 1:04
